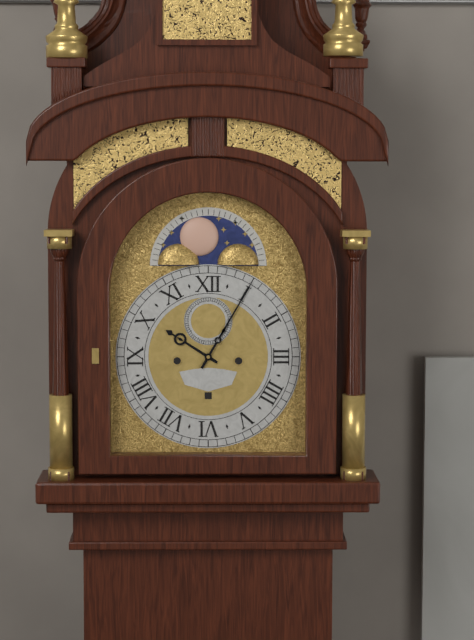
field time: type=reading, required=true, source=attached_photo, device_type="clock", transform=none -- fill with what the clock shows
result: 10:05
